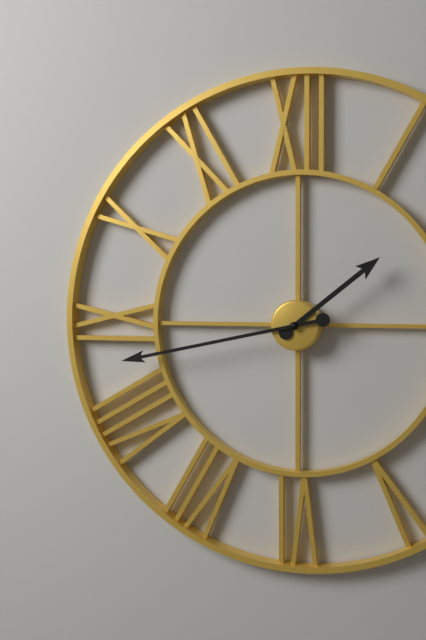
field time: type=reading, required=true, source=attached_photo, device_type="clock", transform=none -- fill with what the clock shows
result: 1:43
